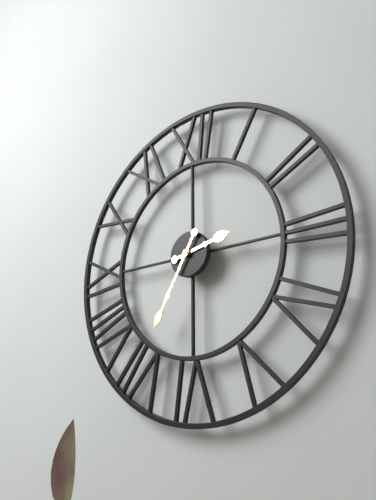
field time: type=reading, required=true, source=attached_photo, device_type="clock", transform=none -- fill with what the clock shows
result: 2:35
